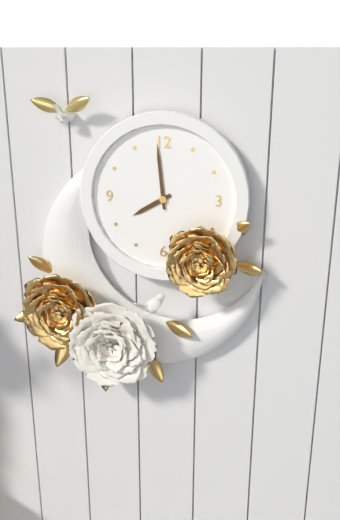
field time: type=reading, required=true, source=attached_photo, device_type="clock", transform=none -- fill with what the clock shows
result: 7:59
